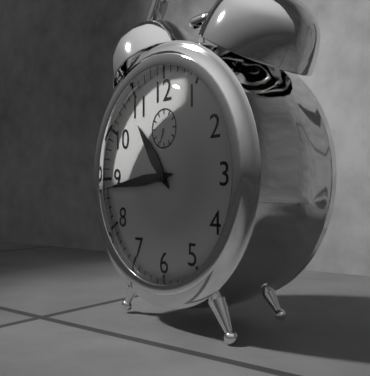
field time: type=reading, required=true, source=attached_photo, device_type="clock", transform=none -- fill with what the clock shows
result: 10:44
